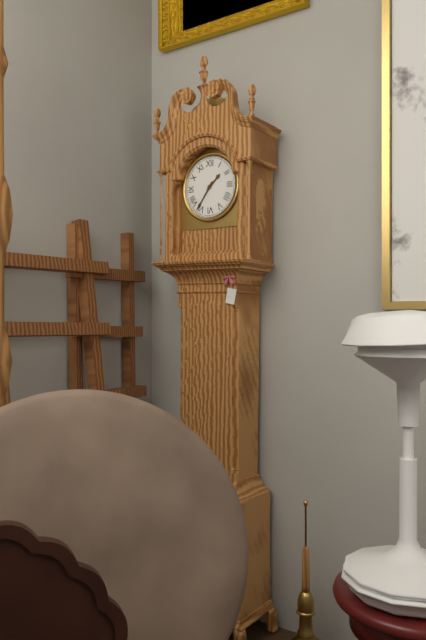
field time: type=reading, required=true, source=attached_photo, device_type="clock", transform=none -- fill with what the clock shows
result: 1:36
